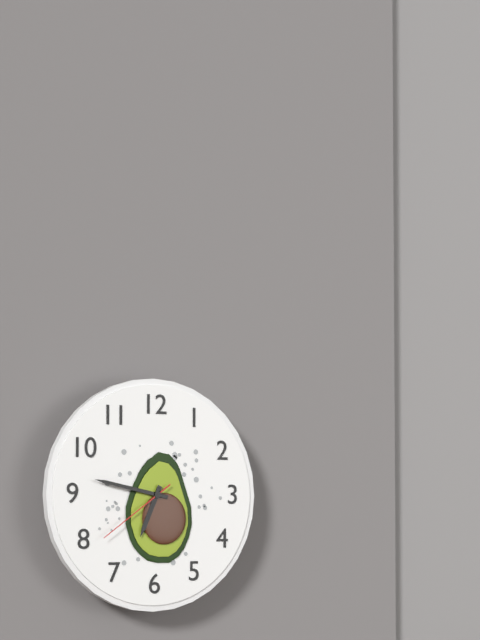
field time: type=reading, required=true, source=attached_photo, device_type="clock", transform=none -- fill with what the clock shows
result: 6:47:39
